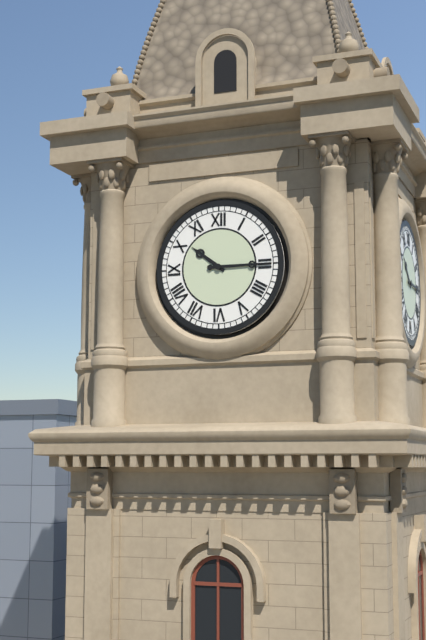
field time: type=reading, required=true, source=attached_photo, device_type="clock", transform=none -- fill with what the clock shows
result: 10:15
